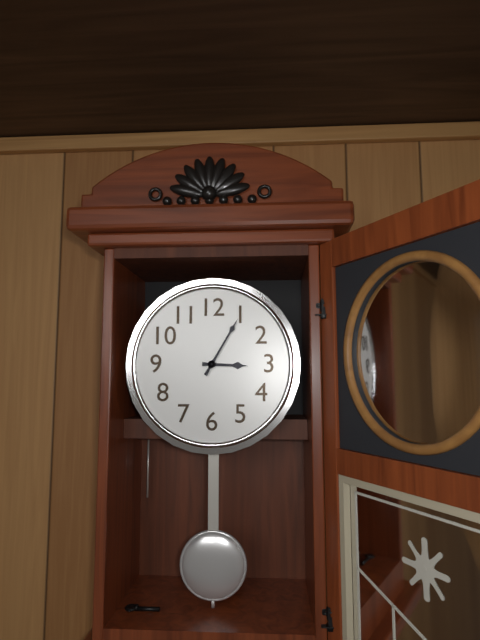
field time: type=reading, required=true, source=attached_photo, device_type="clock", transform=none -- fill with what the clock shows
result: 3:05
